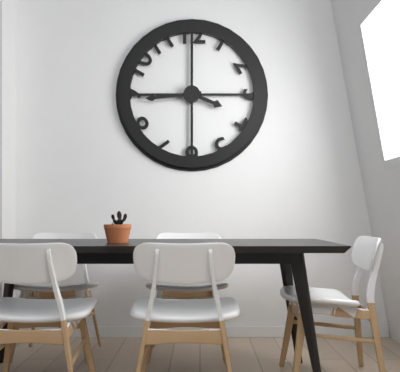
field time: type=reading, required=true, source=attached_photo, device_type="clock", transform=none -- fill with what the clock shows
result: 3:44
